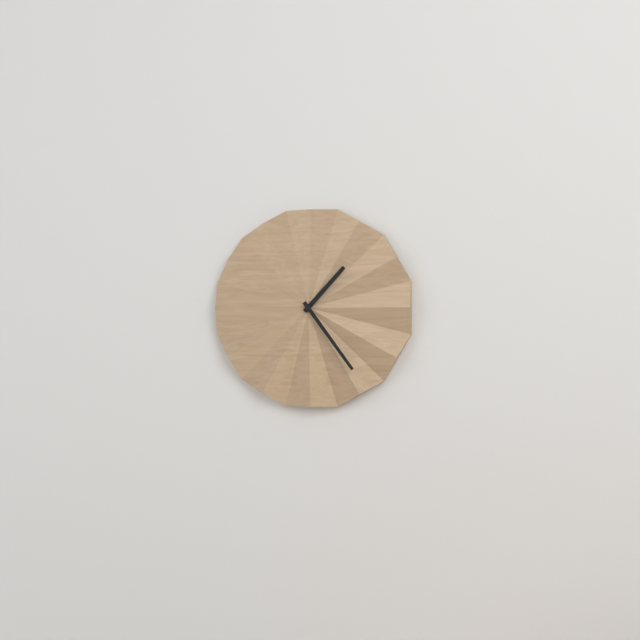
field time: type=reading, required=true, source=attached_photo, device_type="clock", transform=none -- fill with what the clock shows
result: 1:24
